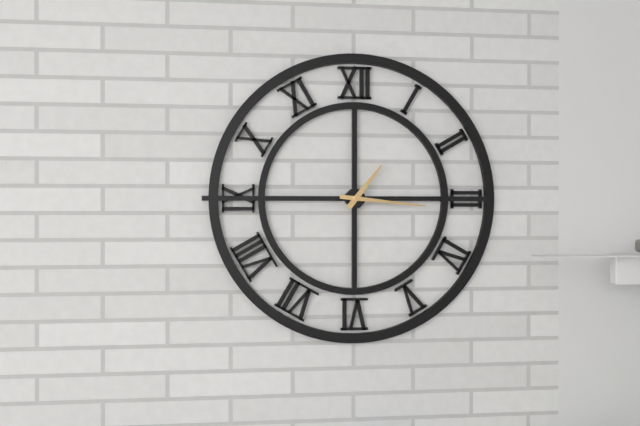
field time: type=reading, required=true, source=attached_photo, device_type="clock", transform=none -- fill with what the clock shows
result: 1:16
